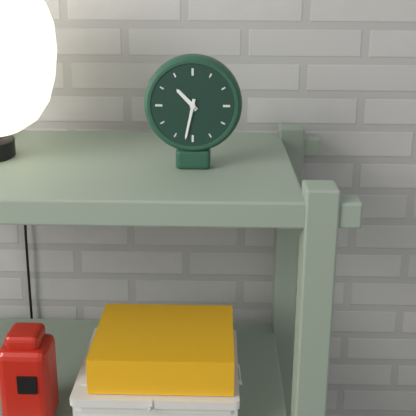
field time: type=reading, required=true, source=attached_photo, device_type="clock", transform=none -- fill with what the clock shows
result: 10:32
